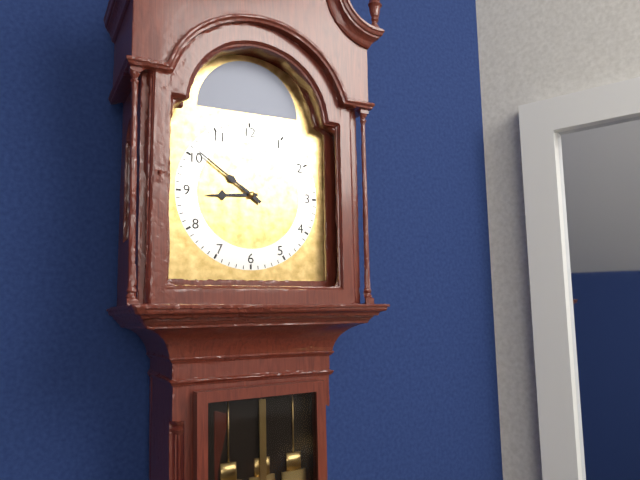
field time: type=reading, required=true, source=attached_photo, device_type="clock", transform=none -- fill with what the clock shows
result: 8:51
